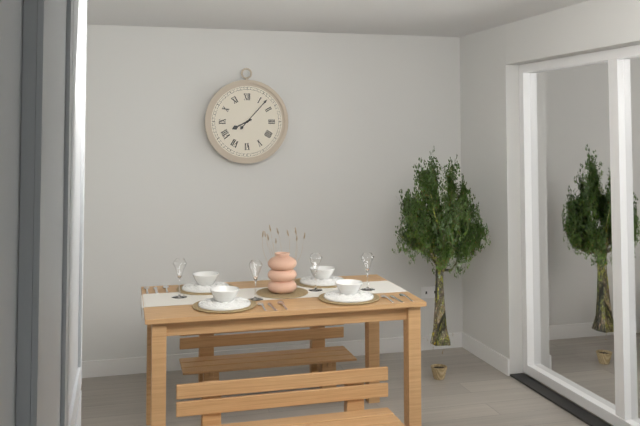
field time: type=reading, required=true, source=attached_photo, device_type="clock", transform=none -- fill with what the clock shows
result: 8:07
